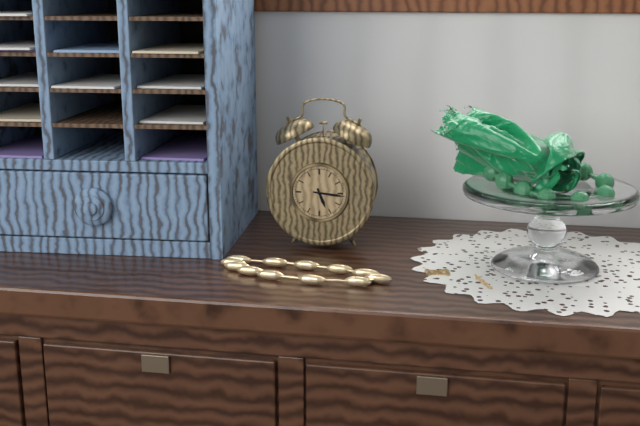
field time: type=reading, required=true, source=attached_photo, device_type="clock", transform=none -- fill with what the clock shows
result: 5:16
